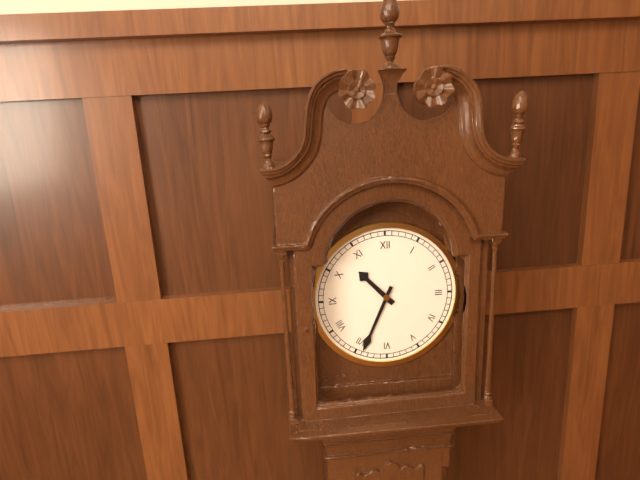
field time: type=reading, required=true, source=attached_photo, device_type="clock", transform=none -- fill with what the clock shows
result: 10:34
